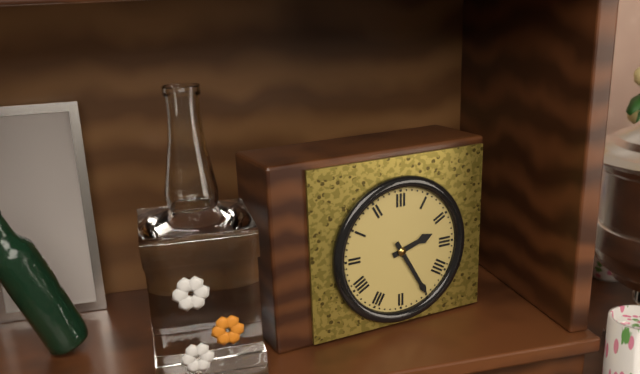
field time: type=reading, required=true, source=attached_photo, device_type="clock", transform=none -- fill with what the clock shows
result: 2:25
